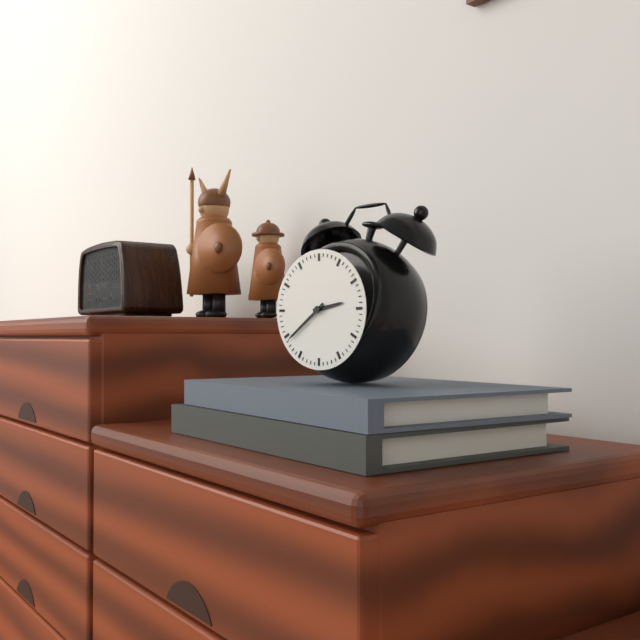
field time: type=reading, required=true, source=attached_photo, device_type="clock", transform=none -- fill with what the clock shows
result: 2:39
